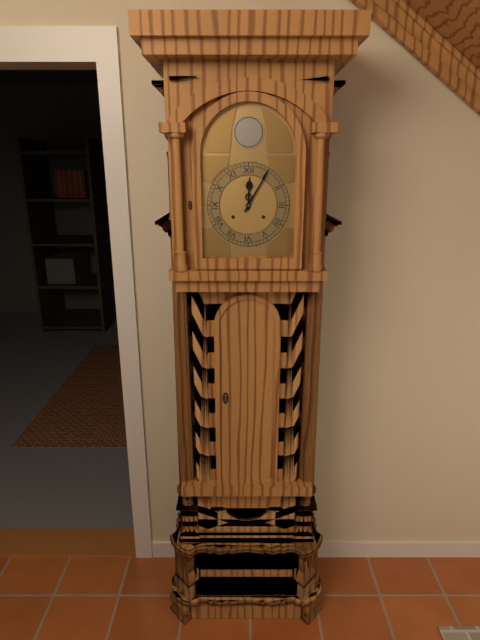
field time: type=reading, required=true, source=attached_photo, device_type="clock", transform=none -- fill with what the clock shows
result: 12:05
